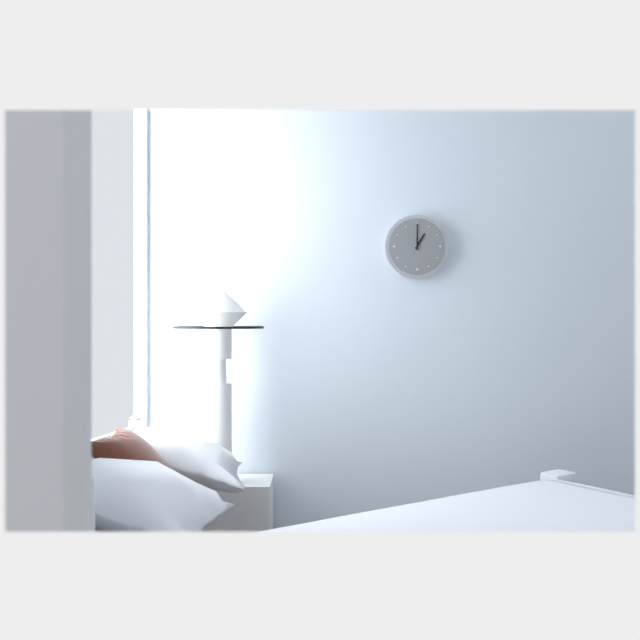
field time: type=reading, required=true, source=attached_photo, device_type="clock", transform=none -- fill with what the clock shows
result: 1:00
